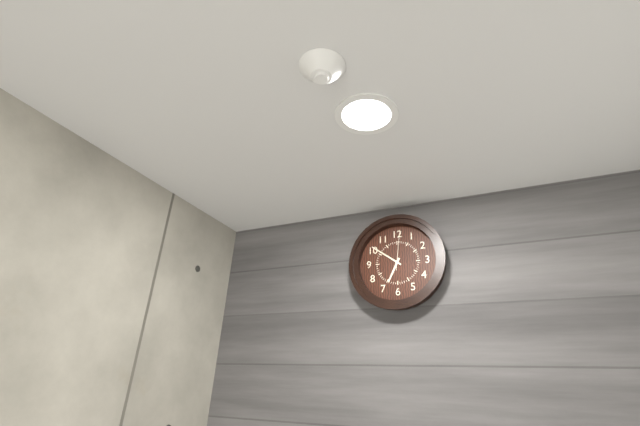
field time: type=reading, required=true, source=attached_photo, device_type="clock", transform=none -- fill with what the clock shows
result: 6:51
